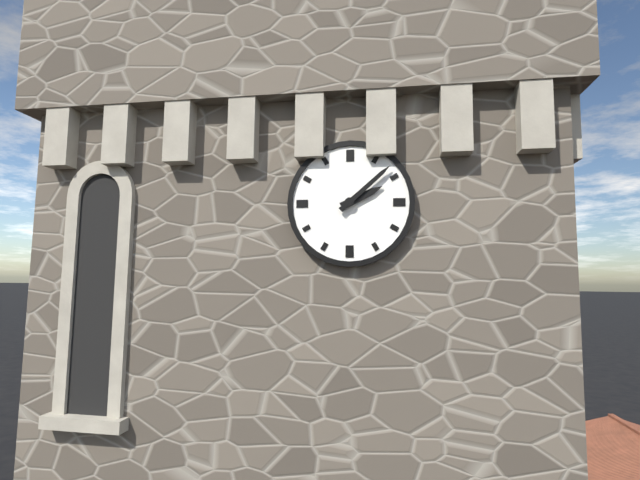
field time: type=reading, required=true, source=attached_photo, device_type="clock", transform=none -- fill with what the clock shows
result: 2:08
